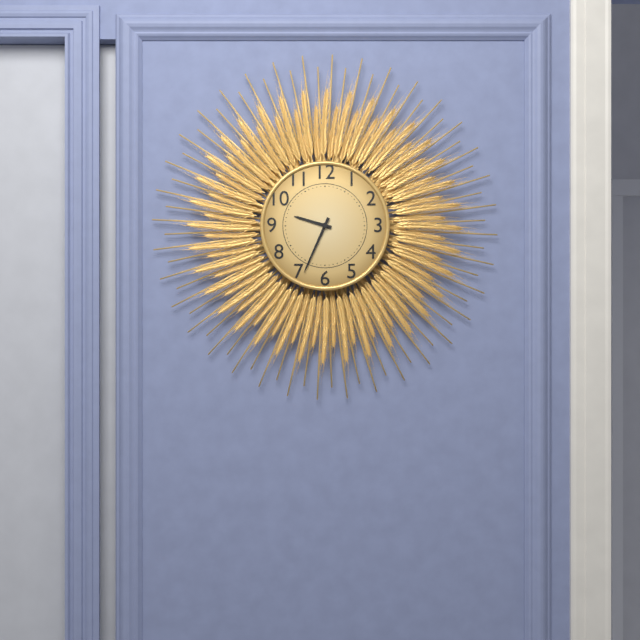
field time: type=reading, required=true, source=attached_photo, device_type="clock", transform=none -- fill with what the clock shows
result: 9:34
